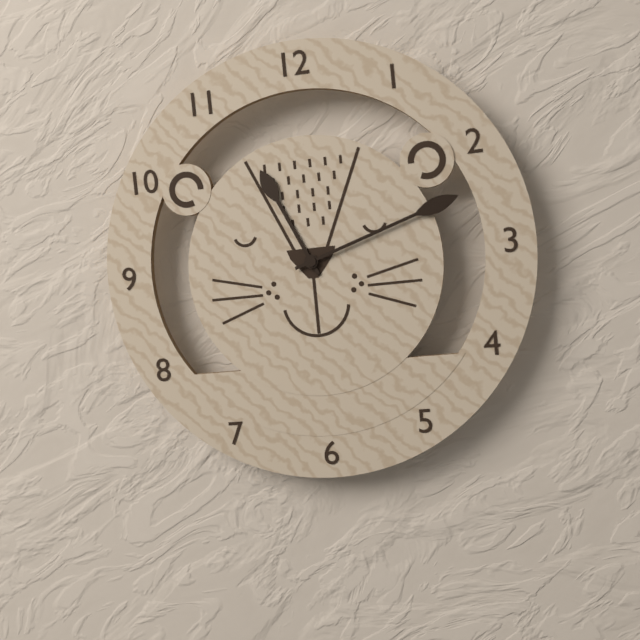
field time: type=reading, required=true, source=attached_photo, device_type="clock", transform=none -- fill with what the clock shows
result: 11:12
